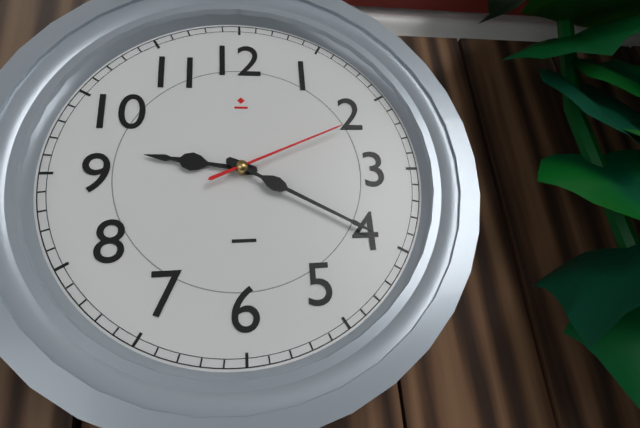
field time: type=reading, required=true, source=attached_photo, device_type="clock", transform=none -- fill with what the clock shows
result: 9:20:11
